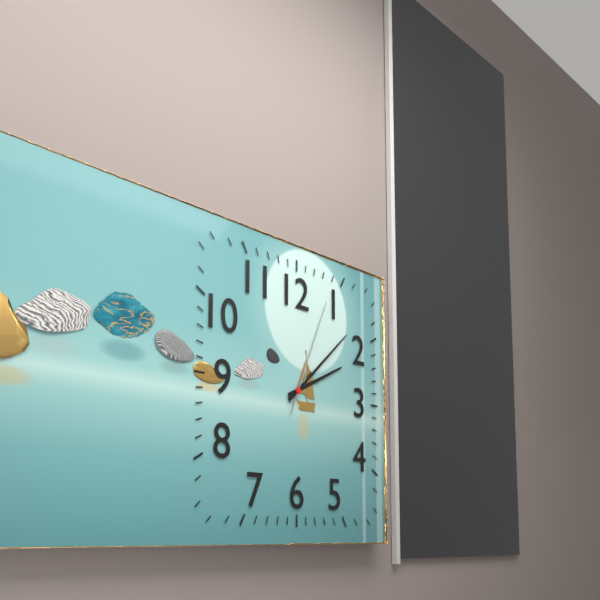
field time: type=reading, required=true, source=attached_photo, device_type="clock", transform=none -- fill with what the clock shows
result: 2:08:04
